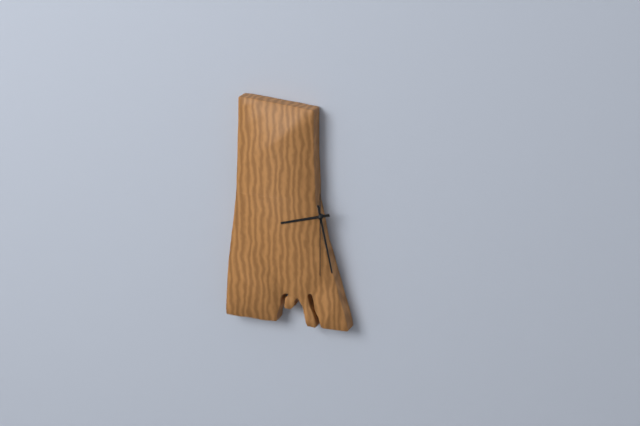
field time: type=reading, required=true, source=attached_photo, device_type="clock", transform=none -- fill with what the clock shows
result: 8:28:30
